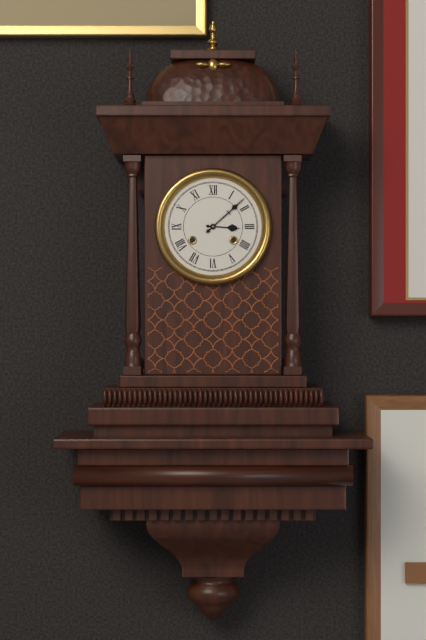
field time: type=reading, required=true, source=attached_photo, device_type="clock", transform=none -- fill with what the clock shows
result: 3:08
